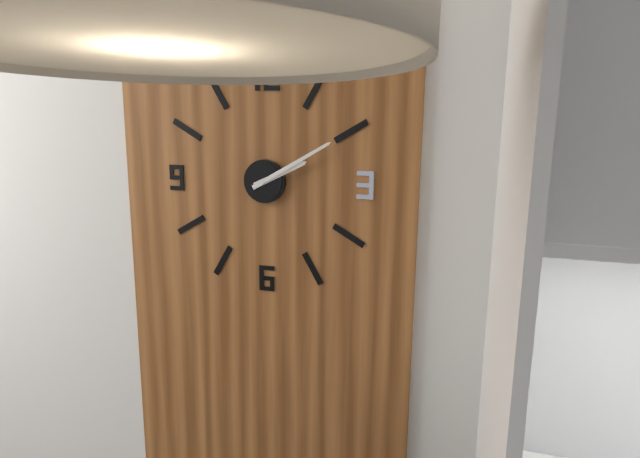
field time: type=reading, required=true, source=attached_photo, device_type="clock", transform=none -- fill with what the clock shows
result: 2:10
